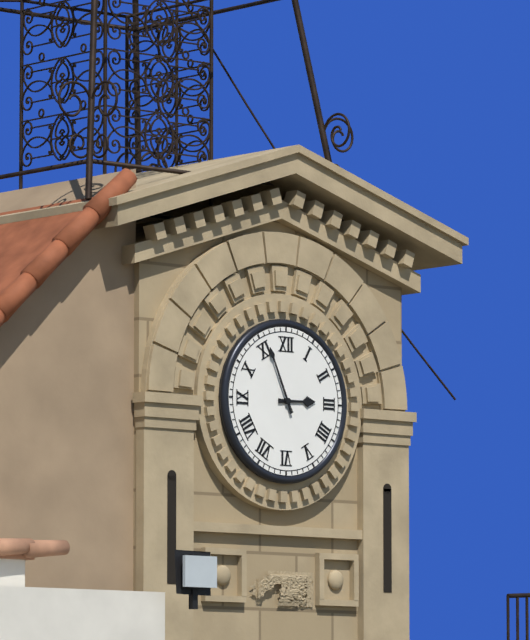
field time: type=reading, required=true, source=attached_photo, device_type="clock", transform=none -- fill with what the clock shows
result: 2:56
